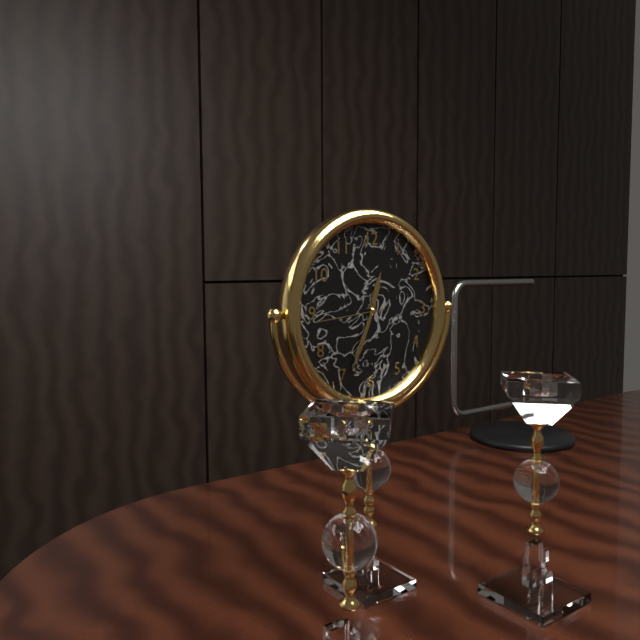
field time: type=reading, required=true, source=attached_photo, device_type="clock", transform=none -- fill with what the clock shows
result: 12:34:44
